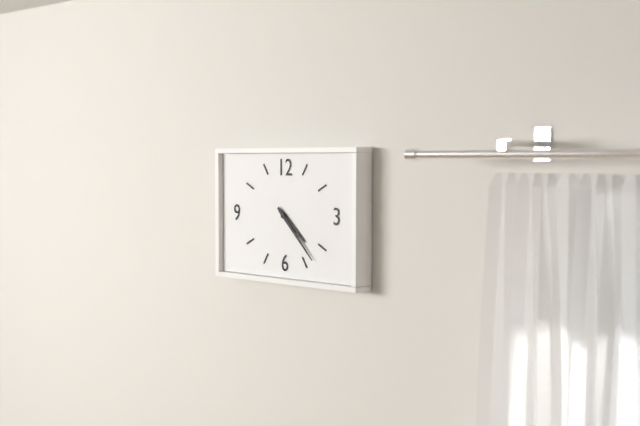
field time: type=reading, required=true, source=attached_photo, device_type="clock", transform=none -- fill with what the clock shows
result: 4:23
